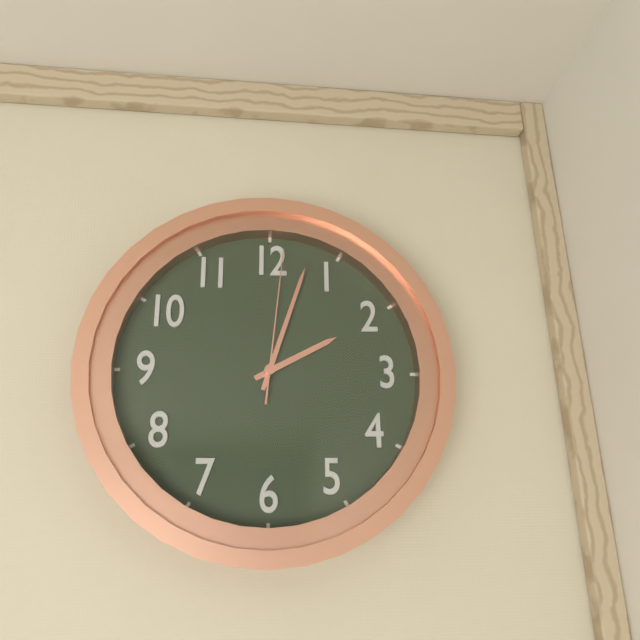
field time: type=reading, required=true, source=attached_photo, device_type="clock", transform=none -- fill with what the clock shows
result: 2:03:01
